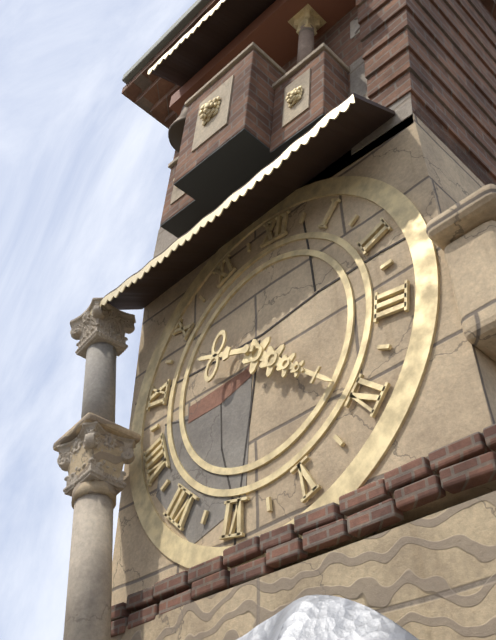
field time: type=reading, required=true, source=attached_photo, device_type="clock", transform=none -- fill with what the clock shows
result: 9:20
